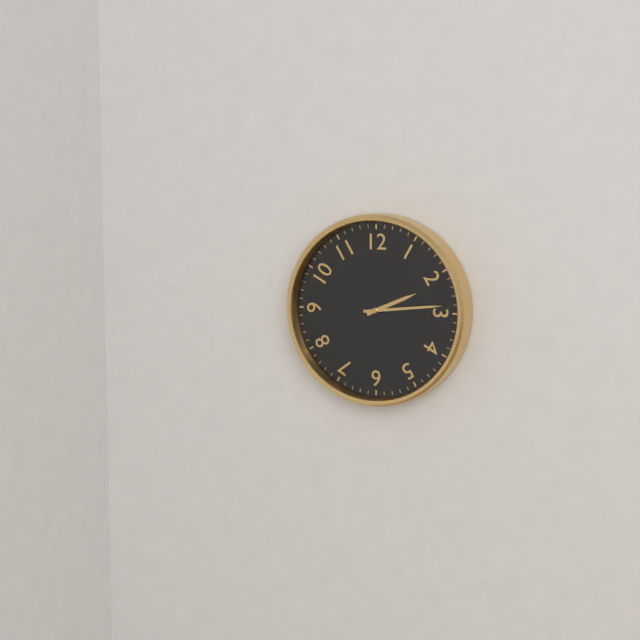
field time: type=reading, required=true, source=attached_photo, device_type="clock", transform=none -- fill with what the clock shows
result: 2:14
